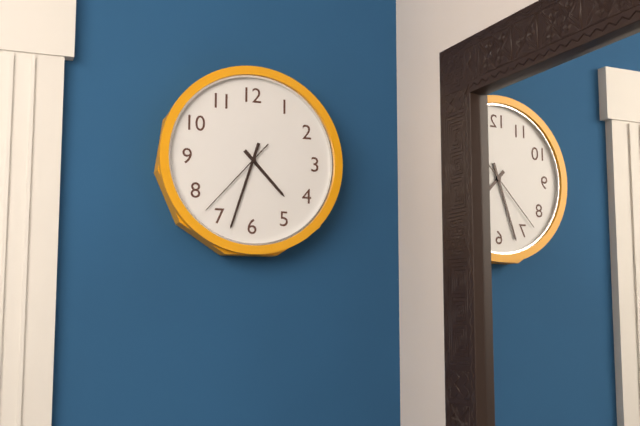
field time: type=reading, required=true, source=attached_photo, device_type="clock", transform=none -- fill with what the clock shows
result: 4:33:37
